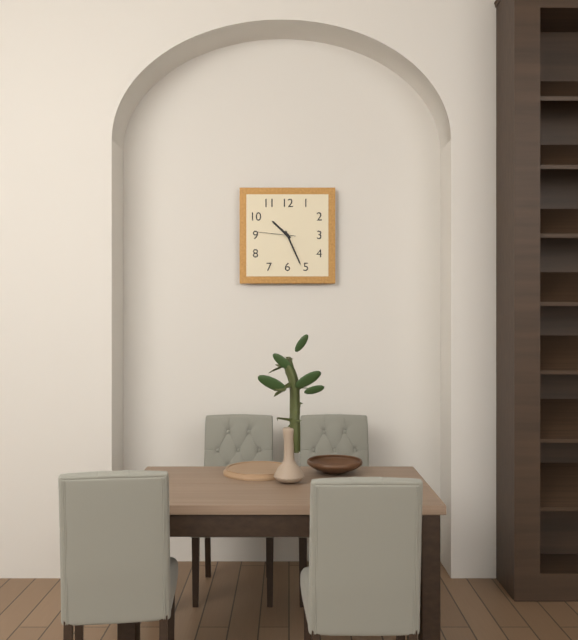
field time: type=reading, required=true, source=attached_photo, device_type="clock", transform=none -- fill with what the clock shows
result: 10:26
